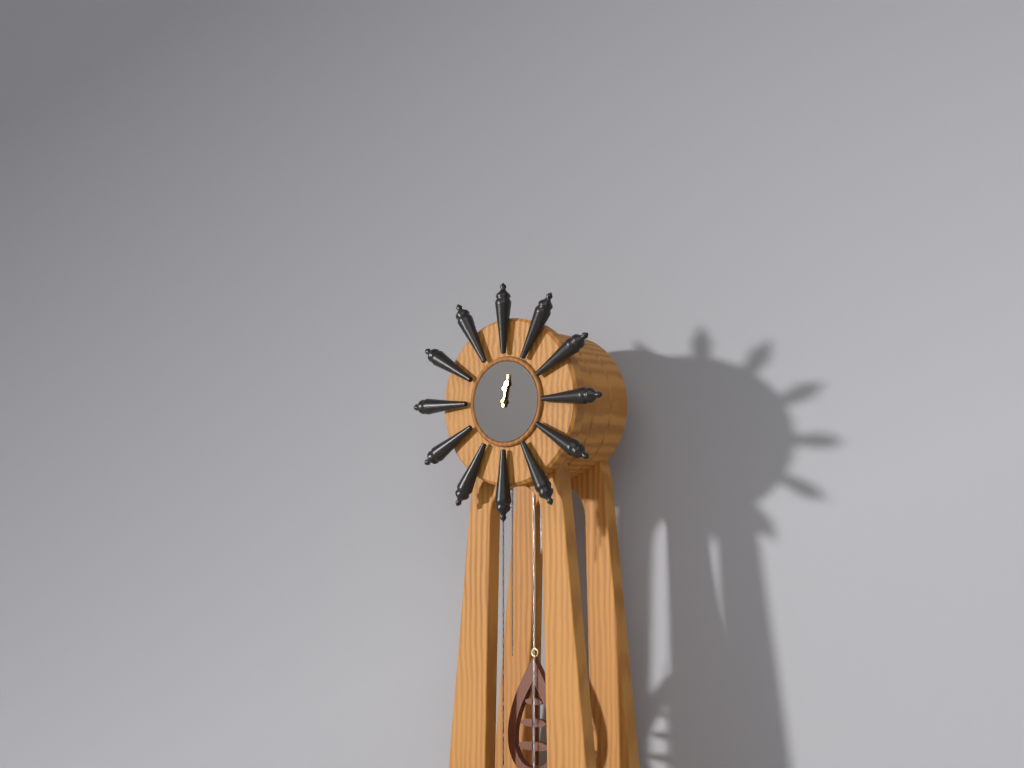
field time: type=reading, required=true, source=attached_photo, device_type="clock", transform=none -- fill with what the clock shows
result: 12:02
